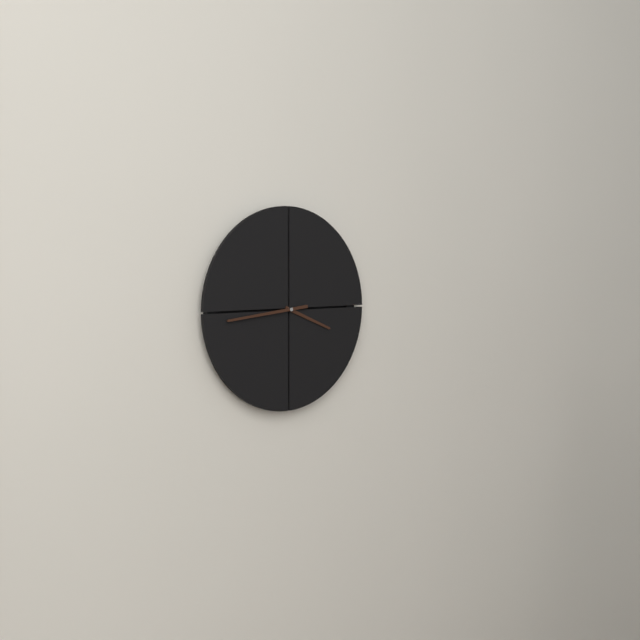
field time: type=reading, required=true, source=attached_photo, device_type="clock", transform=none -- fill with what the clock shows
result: 3:44
